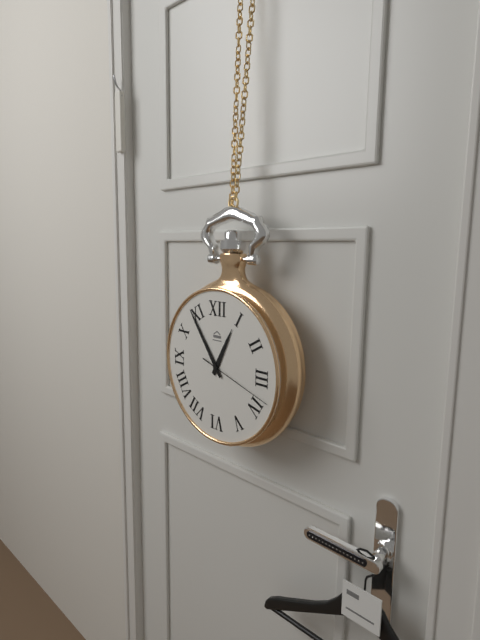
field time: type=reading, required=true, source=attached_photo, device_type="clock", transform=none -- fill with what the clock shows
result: 12:54:18
